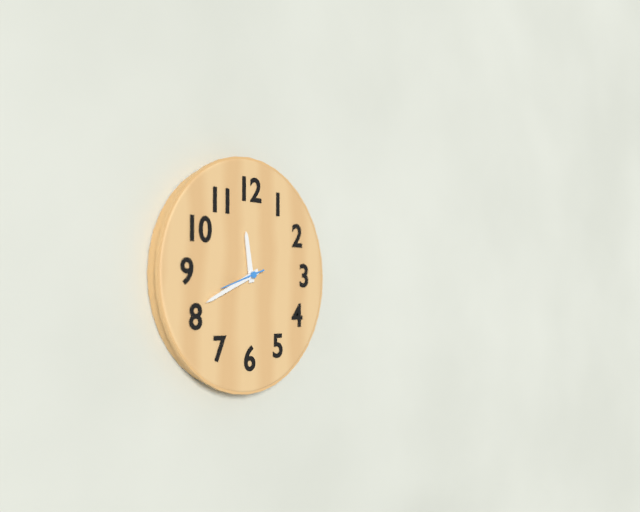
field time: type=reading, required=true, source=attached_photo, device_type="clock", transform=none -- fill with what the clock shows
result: 11:41
